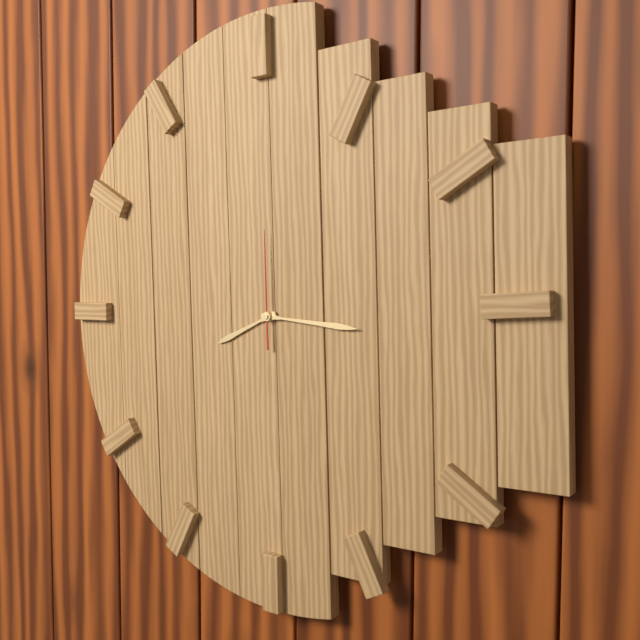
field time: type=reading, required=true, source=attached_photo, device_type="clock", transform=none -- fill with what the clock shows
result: 8:16:00
